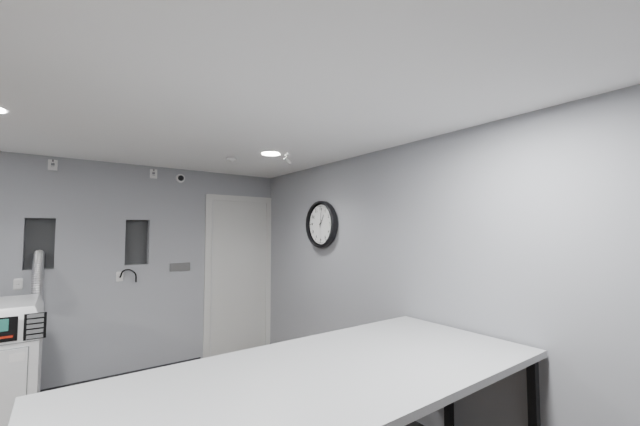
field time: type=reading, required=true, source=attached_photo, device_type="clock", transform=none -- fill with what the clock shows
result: 1:01
